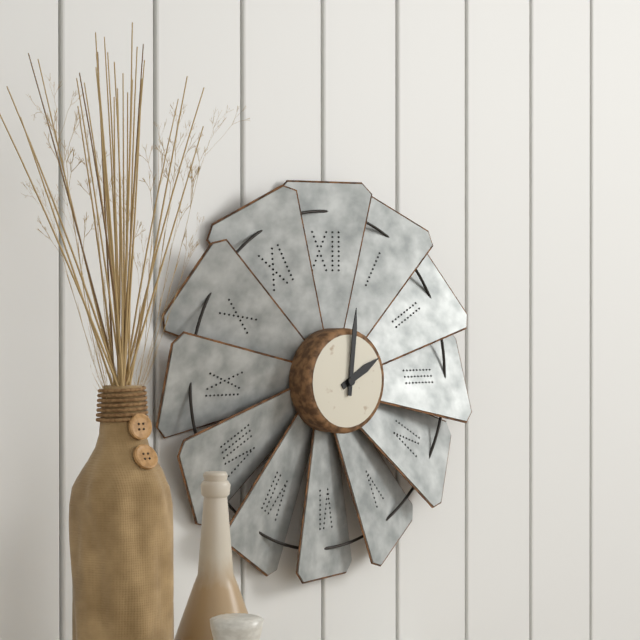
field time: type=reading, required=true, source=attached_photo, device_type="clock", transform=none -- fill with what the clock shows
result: 2:01
